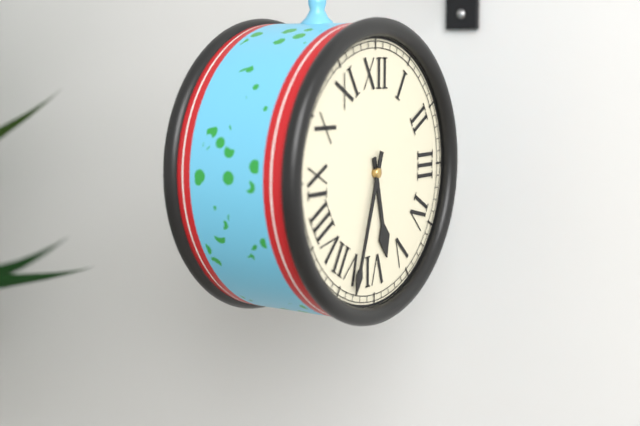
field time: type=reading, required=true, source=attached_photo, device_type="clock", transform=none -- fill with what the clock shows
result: 5:33
